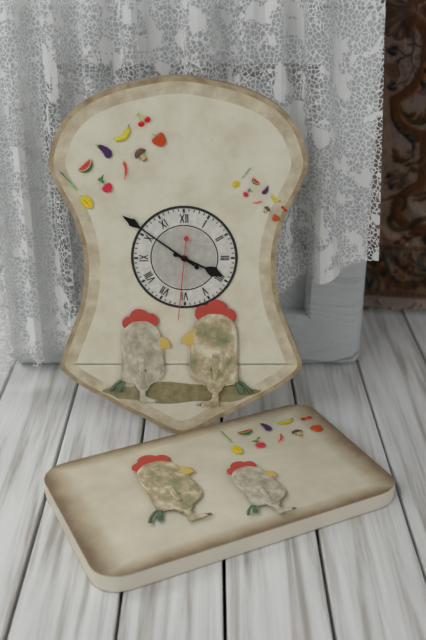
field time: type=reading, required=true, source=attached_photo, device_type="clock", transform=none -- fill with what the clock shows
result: 3:51:31
